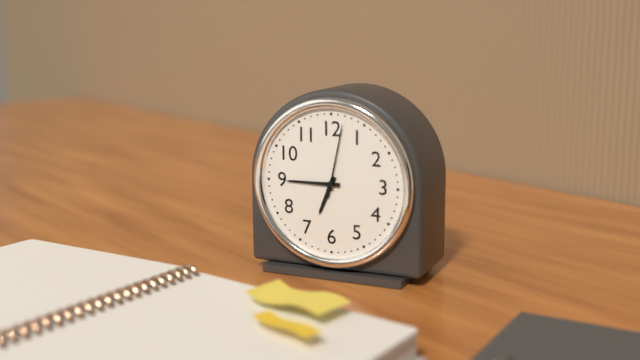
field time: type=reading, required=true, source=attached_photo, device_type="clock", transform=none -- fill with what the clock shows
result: 6:45:02
